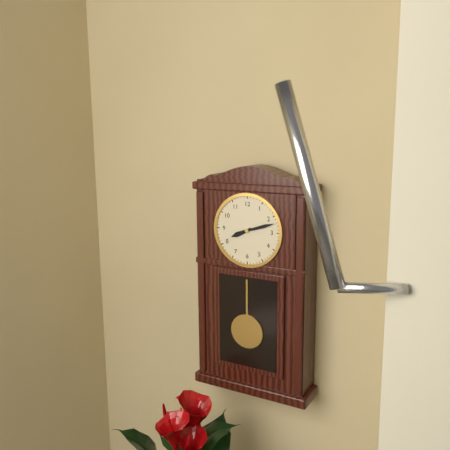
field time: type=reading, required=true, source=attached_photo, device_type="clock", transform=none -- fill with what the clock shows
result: 8:12
